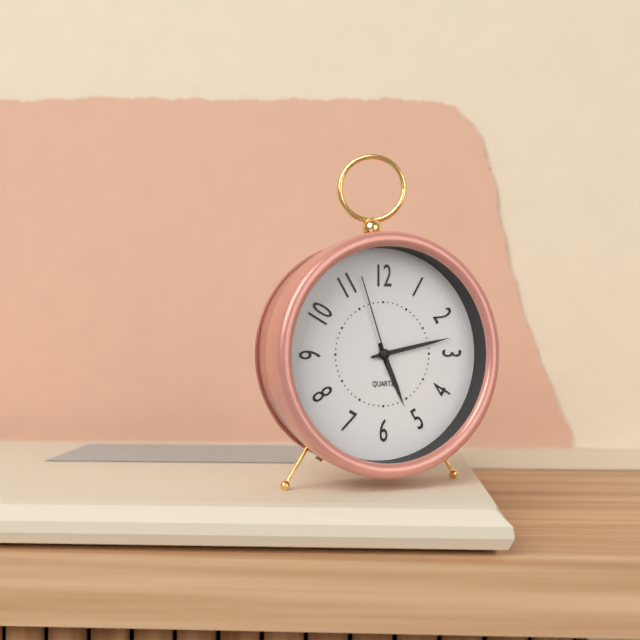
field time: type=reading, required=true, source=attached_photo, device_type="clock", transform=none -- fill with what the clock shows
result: 5:13:57
